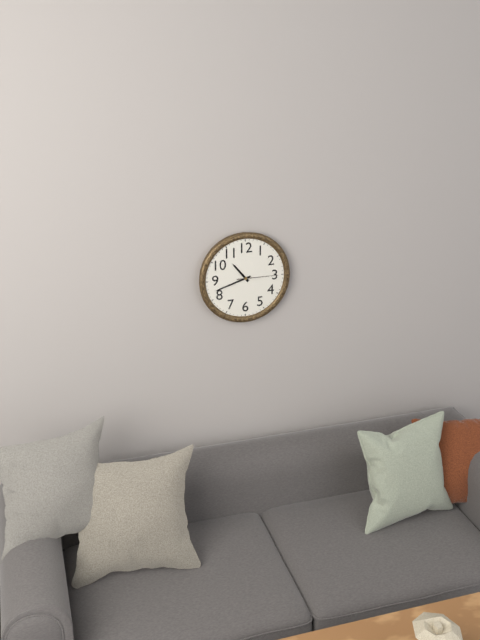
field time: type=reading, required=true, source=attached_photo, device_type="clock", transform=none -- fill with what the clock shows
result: 10:42
